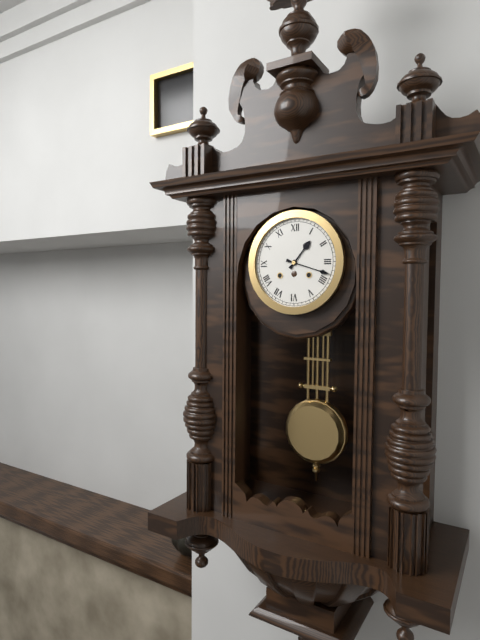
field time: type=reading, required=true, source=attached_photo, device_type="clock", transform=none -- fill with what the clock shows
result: 1:18
